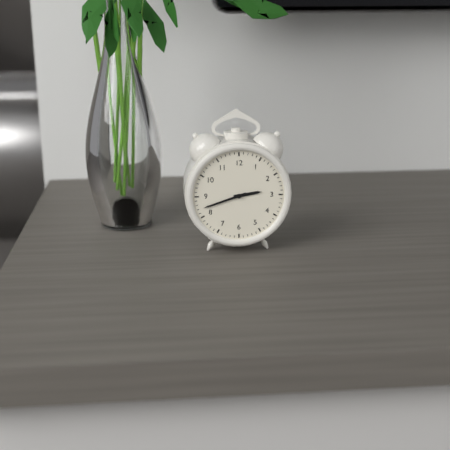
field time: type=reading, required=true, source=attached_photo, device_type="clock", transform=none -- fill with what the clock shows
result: 2:42
